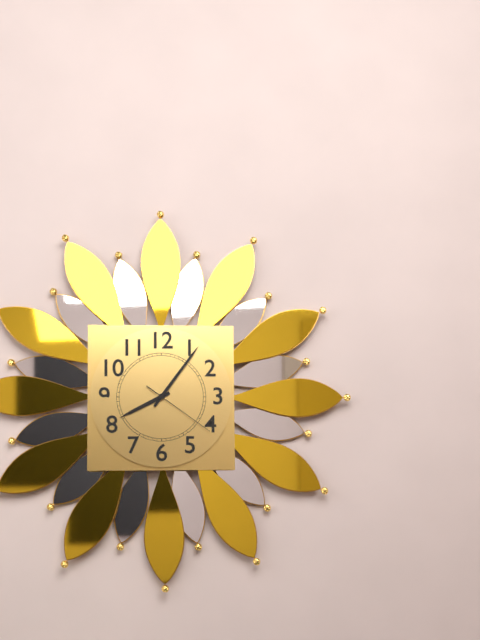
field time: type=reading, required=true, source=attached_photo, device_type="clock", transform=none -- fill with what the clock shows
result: 8:06:21
